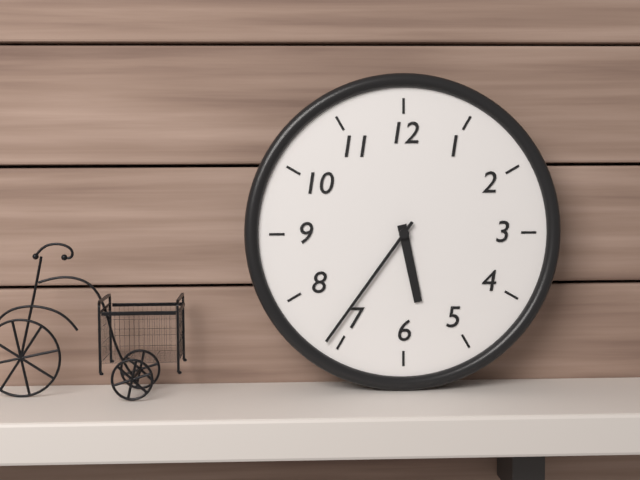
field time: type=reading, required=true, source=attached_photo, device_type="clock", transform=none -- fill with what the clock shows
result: 5:36
